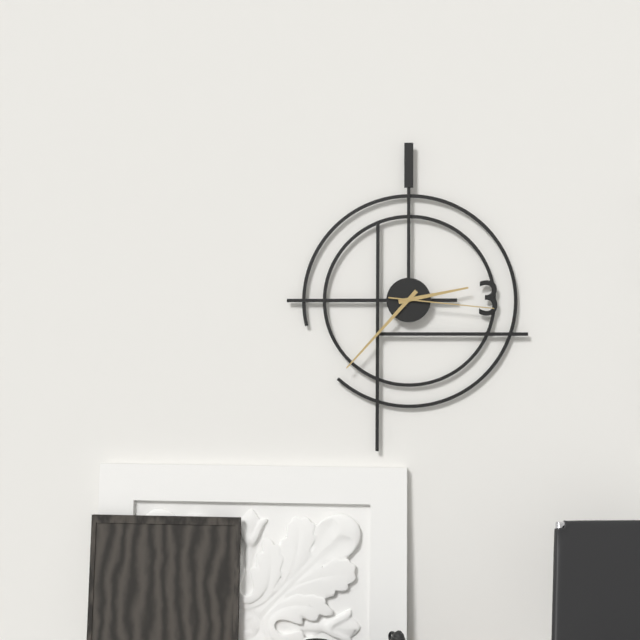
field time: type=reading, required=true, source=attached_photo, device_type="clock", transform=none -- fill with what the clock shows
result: 2:37:16
